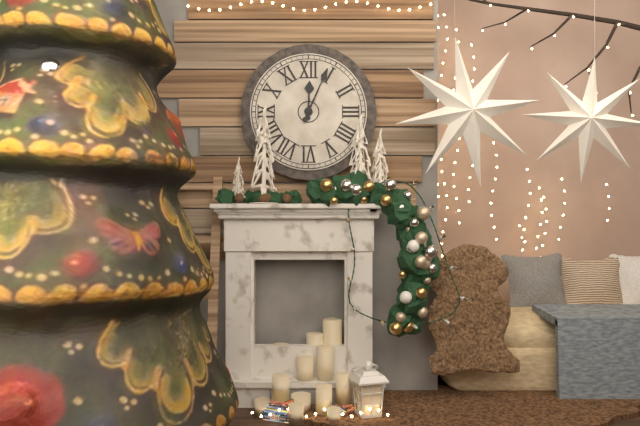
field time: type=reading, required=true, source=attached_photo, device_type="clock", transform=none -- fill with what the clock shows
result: 12:04
